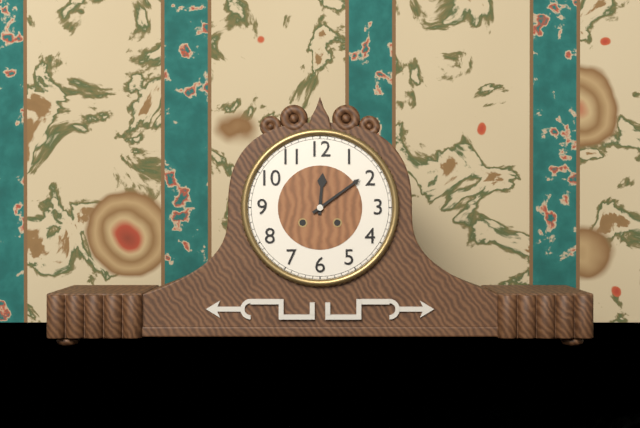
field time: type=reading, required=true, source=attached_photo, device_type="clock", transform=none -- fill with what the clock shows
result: 12:09
